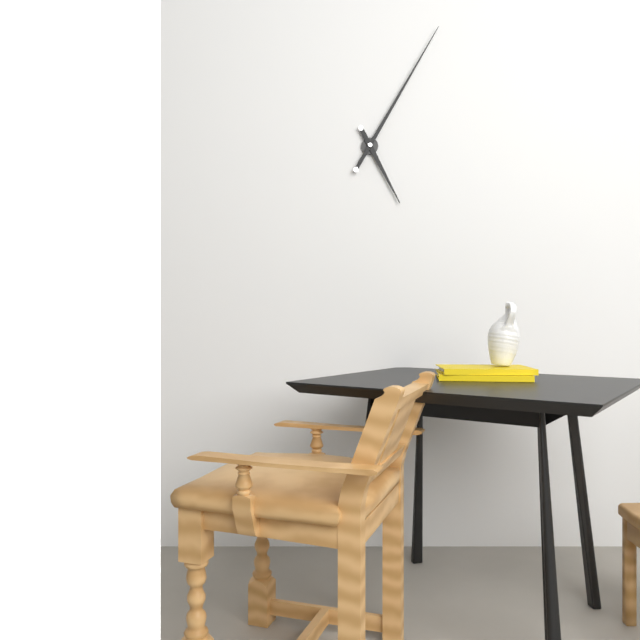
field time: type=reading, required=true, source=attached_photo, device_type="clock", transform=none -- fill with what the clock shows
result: 5:05
